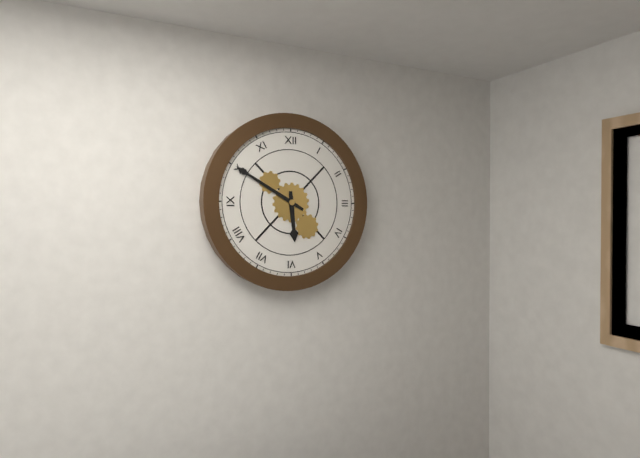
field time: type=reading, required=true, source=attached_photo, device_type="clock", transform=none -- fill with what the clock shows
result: 5:50
